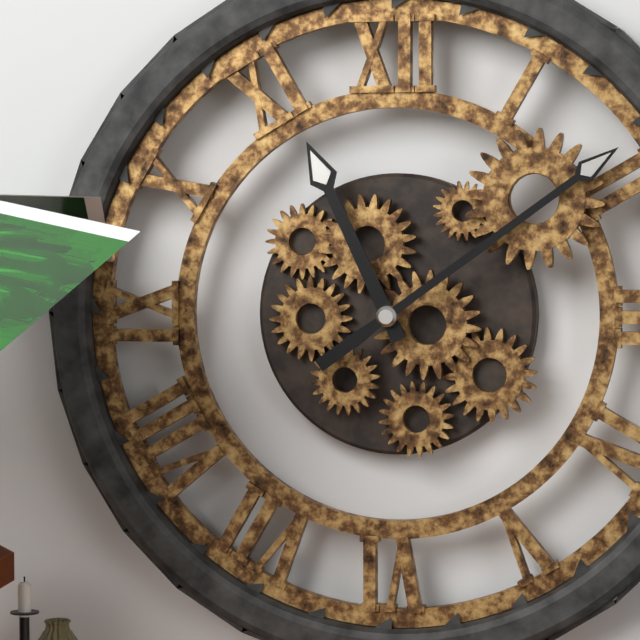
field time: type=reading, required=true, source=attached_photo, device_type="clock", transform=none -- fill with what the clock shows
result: 11:09
